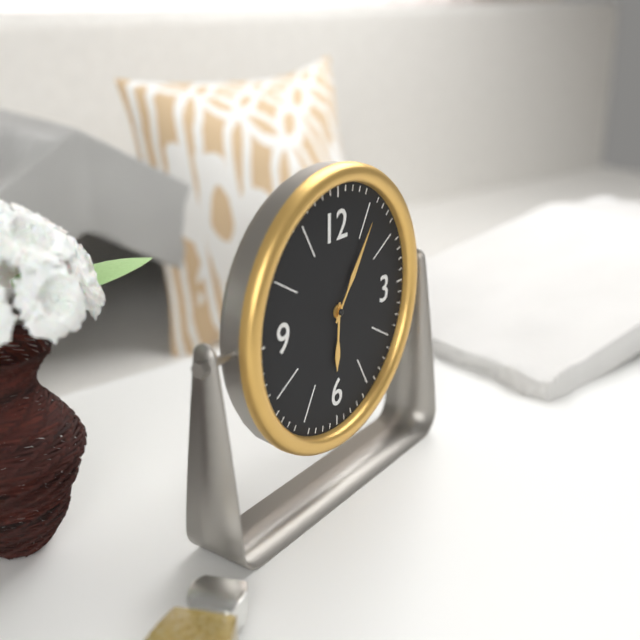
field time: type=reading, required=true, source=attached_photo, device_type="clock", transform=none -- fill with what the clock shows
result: 6:06
